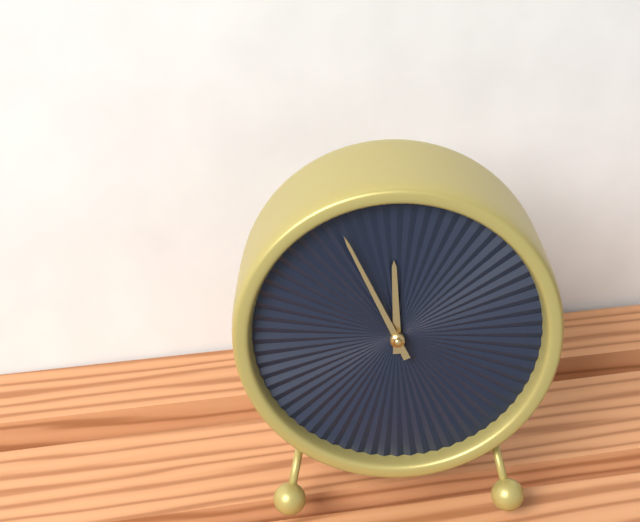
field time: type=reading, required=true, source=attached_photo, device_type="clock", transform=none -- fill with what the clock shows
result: 11:56
